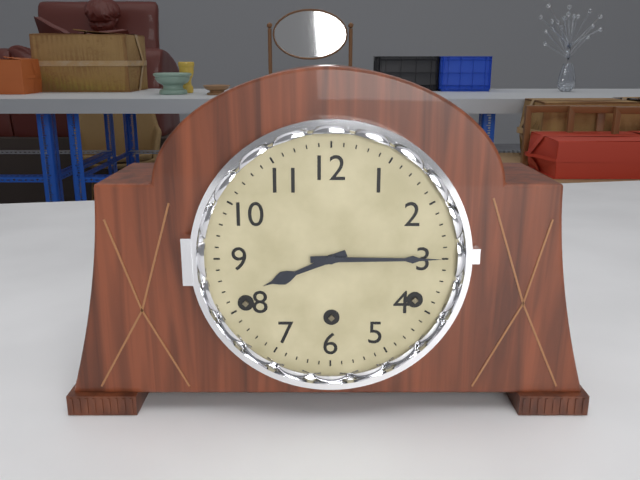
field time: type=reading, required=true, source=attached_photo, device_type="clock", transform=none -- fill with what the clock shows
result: 8:15
